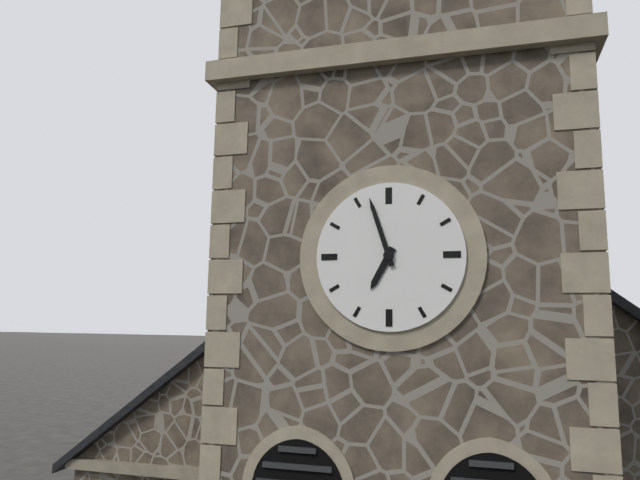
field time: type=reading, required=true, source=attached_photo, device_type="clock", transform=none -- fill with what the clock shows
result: 6:57
